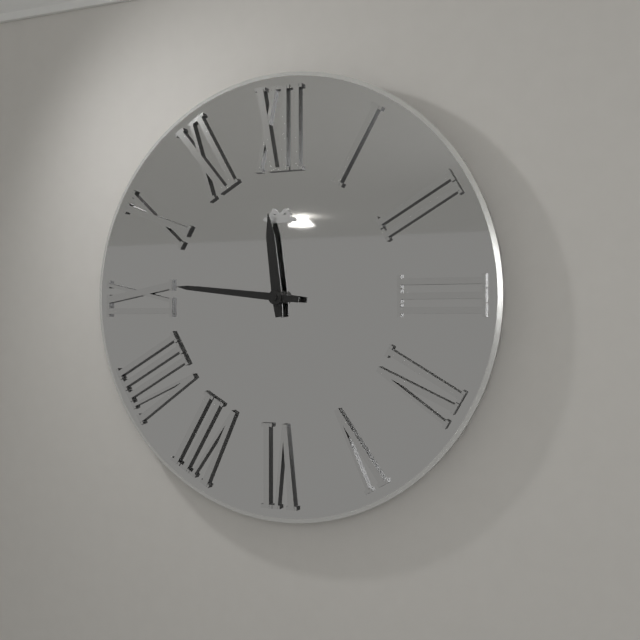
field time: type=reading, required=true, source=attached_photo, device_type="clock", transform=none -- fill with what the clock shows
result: 11:46
